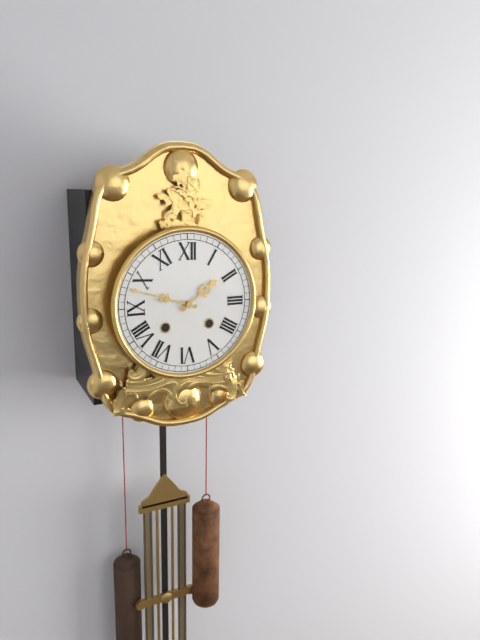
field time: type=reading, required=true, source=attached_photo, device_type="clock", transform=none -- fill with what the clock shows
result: 1:48
